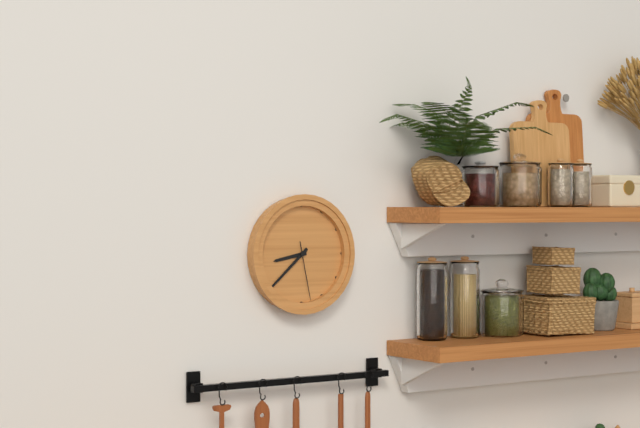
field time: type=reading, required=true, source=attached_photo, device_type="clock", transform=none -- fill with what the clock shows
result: 8:38:28
